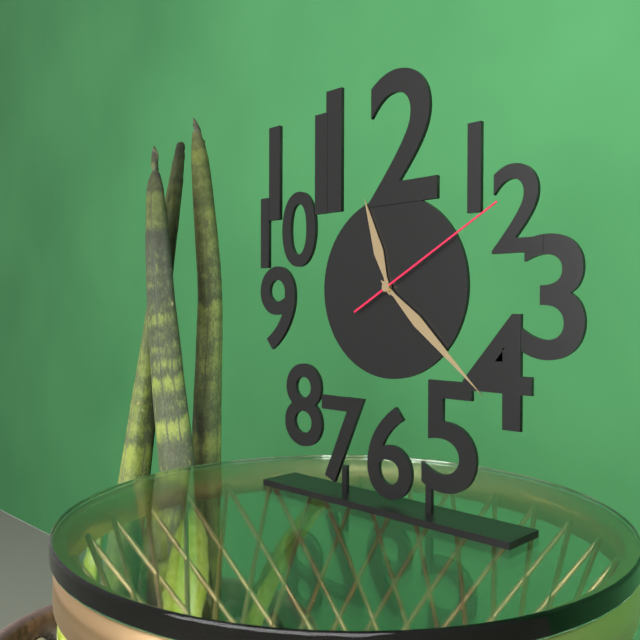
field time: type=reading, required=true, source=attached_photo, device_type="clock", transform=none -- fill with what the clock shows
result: 11:22:10
